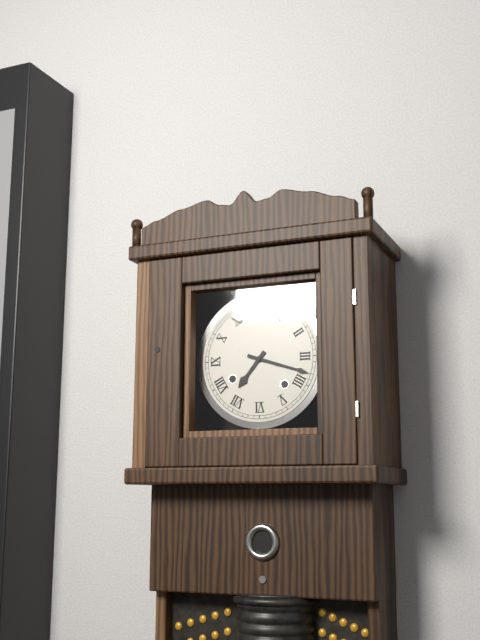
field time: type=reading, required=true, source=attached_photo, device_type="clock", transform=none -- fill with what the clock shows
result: 7:18
